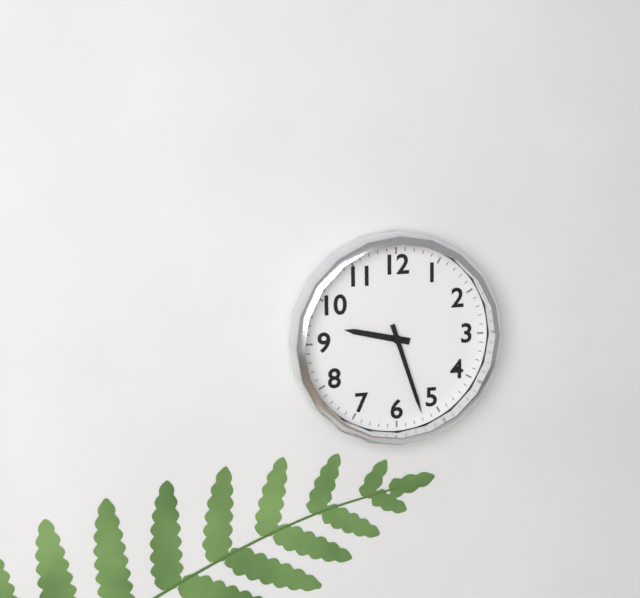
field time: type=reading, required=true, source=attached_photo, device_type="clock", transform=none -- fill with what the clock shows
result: 9:27
